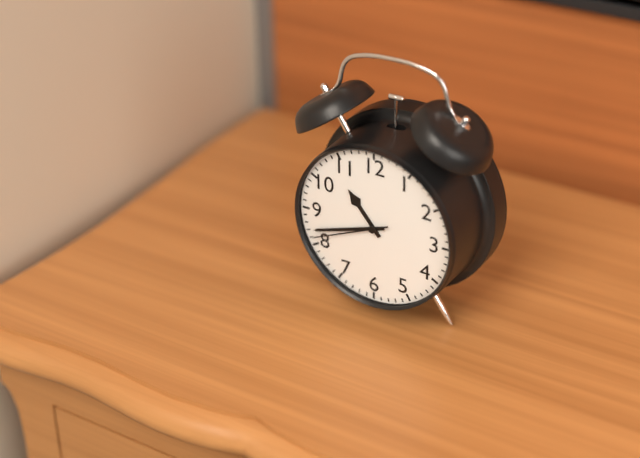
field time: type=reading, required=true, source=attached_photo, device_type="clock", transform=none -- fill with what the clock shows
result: 10:42:41
